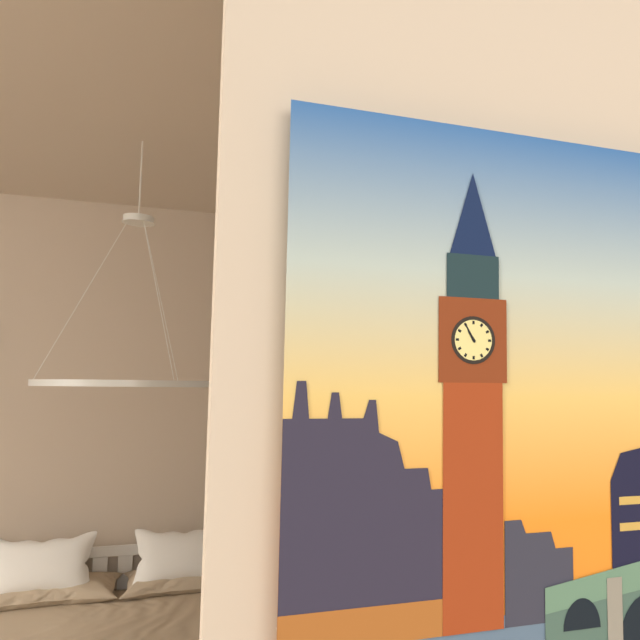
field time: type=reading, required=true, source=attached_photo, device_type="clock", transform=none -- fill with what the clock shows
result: 10:55
